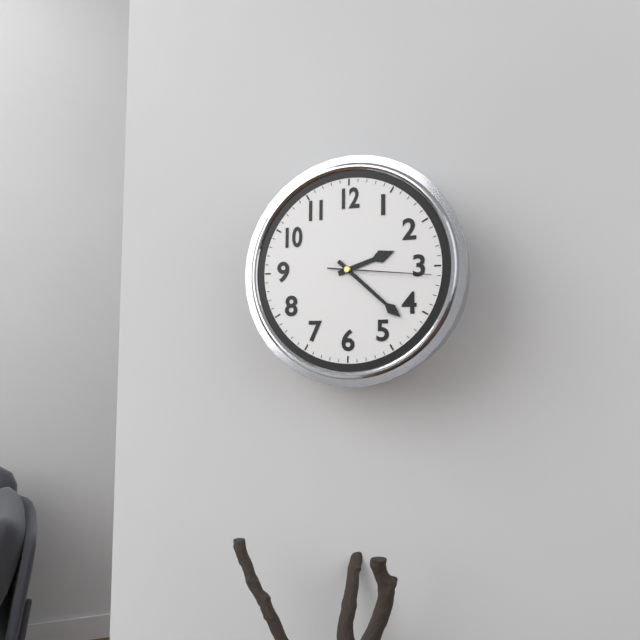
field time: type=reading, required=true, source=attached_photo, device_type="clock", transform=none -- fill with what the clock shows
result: 2:22:16
